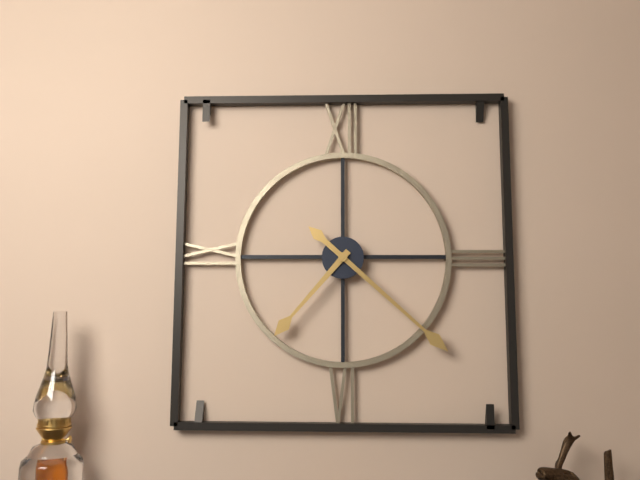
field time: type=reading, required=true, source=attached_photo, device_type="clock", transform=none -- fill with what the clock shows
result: 7:22
